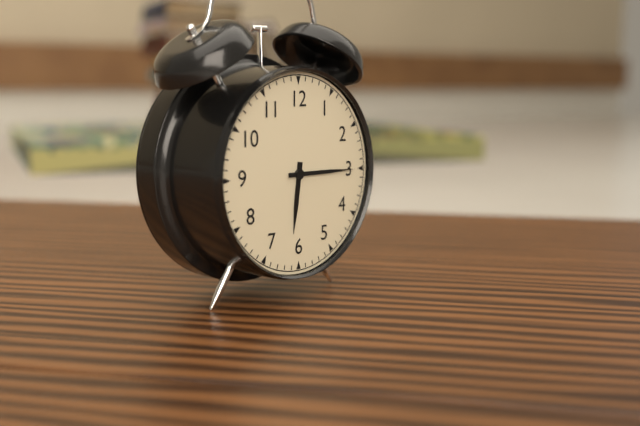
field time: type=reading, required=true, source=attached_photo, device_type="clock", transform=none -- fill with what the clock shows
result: 6:15
